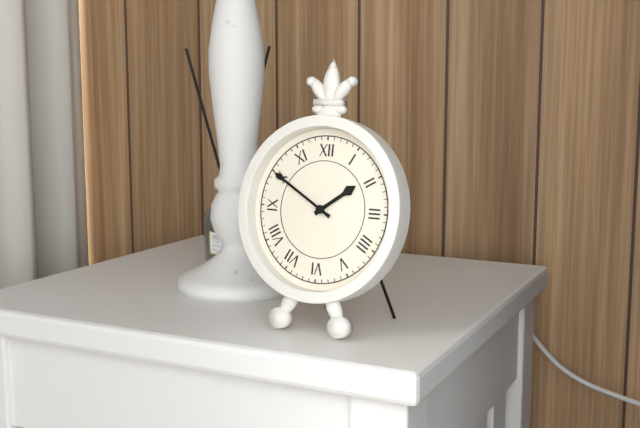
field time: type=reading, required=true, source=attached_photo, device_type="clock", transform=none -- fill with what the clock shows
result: 1:50
